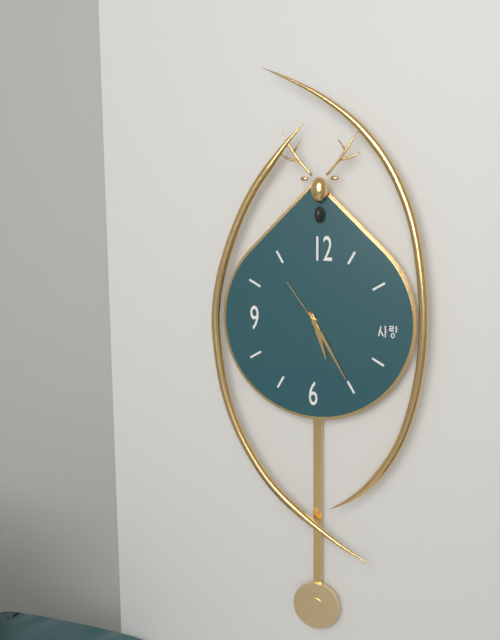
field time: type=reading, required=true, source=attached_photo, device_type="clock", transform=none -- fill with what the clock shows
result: 5:25:54
